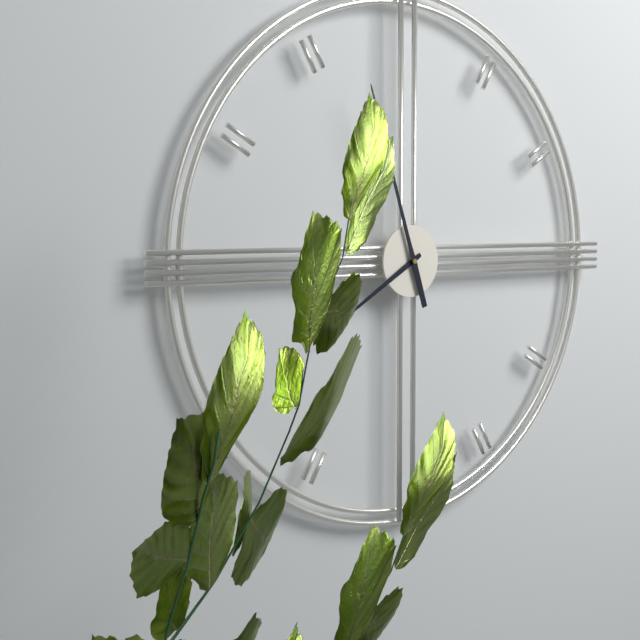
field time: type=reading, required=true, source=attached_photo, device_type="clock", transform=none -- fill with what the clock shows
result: 7:57
